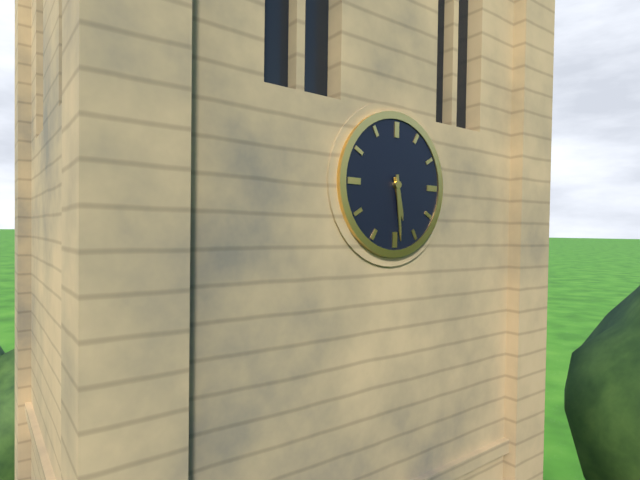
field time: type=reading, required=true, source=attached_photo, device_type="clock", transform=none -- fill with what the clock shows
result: 5:29
